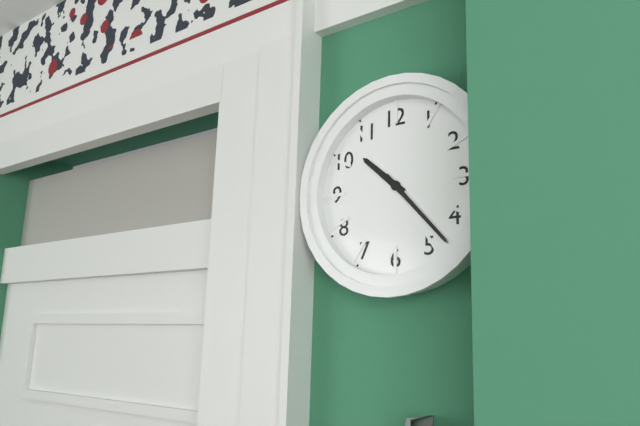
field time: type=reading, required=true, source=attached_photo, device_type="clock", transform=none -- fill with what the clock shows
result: 10:23
